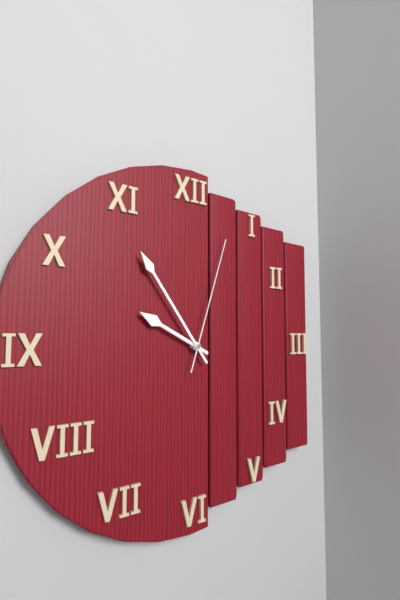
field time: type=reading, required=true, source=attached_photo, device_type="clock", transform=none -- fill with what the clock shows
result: 9:54:03
